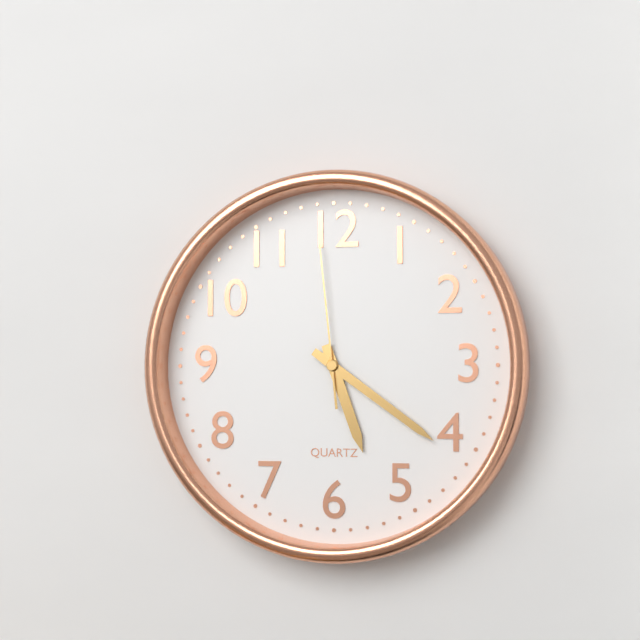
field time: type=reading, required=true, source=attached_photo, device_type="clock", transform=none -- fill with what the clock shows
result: 5:21:59
